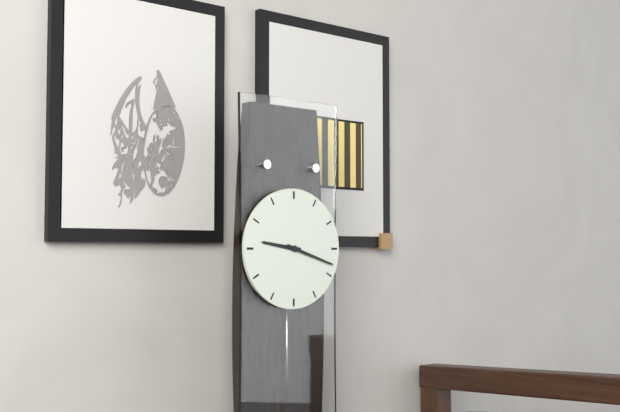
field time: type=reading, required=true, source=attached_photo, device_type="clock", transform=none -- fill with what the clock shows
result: 9:18
